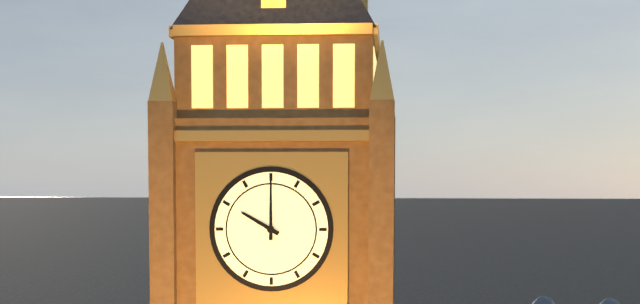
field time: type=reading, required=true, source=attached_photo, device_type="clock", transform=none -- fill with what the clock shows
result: 10:00
